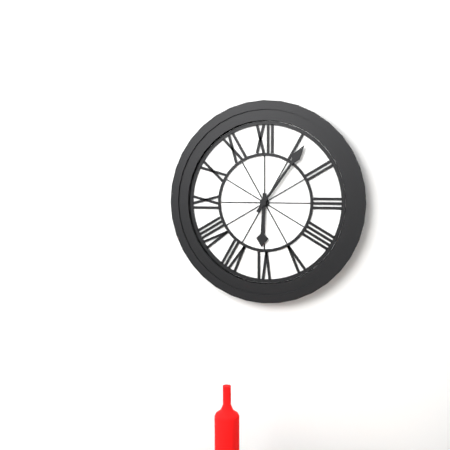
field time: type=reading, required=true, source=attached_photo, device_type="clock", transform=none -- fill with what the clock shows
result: 6:06
